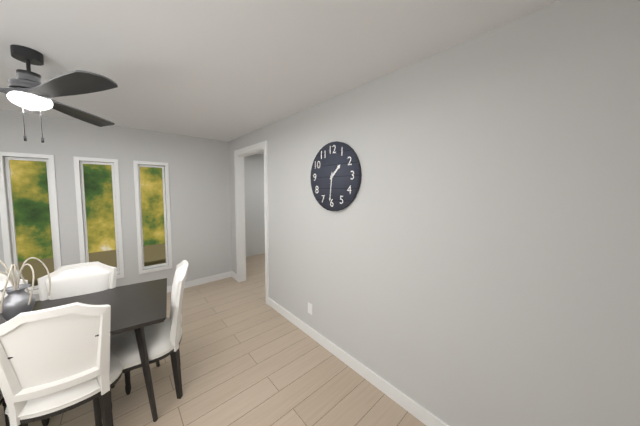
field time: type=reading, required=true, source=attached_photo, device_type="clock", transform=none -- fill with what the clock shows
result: 1:31
